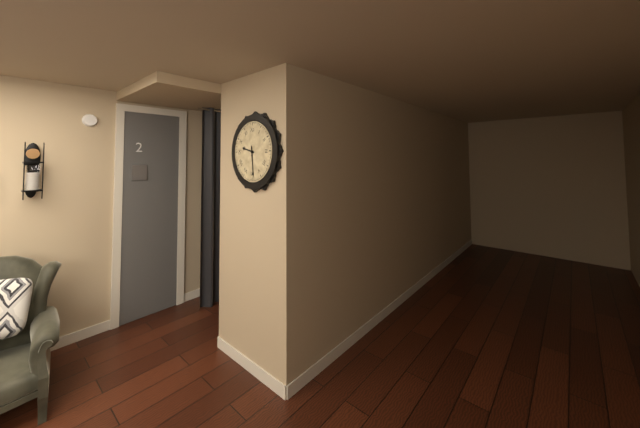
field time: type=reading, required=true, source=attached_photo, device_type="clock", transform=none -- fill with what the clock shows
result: 9:29
